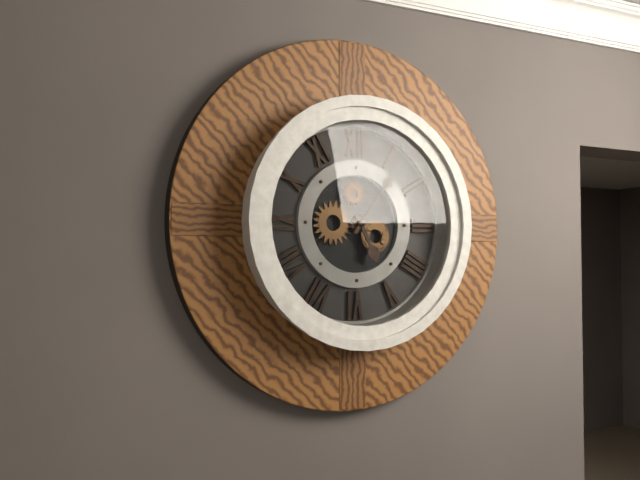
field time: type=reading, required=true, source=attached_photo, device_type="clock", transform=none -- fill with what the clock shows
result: 5:06
